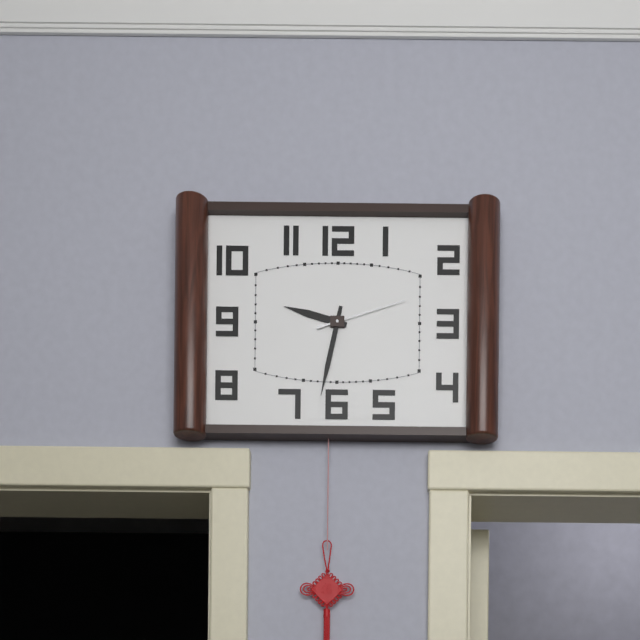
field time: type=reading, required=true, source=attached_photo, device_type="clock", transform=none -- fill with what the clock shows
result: 9:32:12
